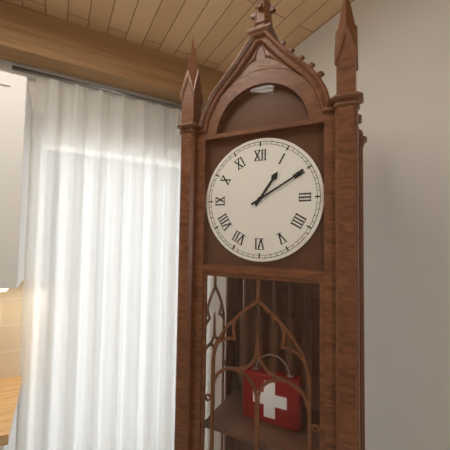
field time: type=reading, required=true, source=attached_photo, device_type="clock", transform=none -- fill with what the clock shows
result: 1:10
